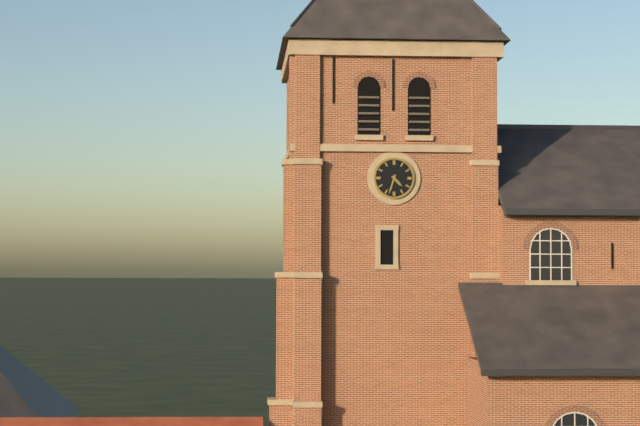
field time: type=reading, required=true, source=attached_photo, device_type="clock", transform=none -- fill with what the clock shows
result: 4:33
